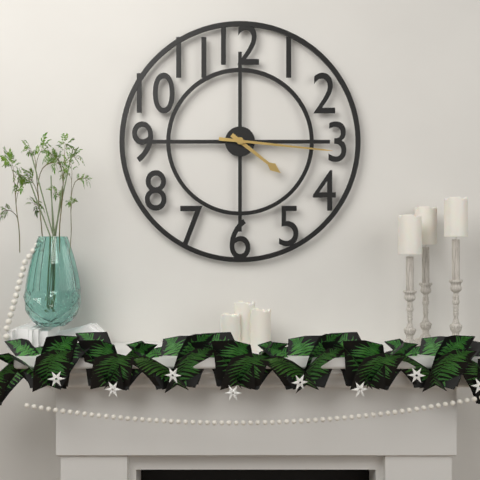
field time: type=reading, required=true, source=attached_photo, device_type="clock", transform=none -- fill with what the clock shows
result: 4:16
